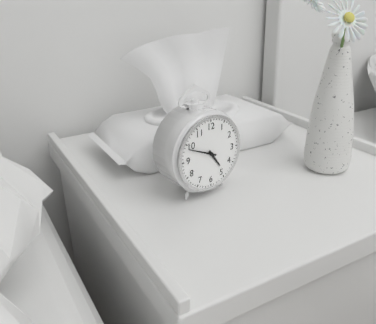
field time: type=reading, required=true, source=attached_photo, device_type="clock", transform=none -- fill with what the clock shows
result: 4:49
